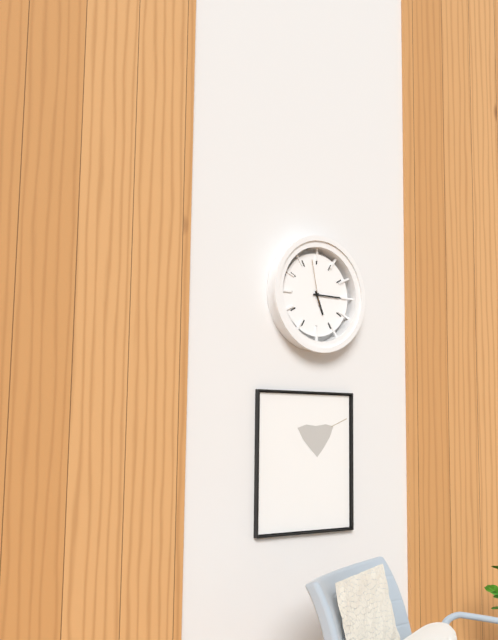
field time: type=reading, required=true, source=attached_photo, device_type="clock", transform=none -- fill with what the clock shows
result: 5:15
